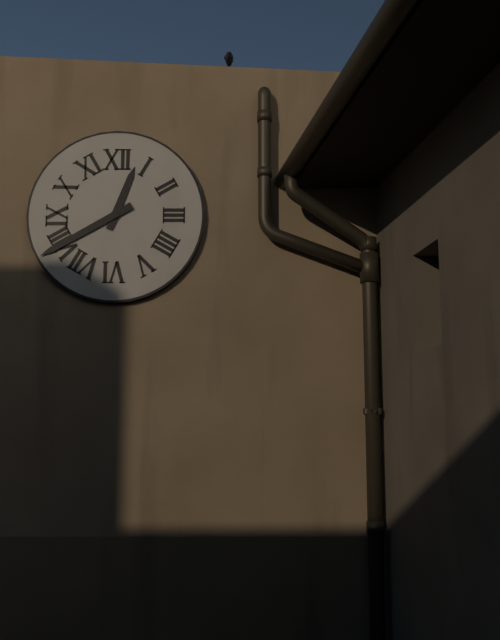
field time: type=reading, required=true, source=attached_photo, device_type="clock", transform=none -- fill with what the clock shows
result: 12:40
